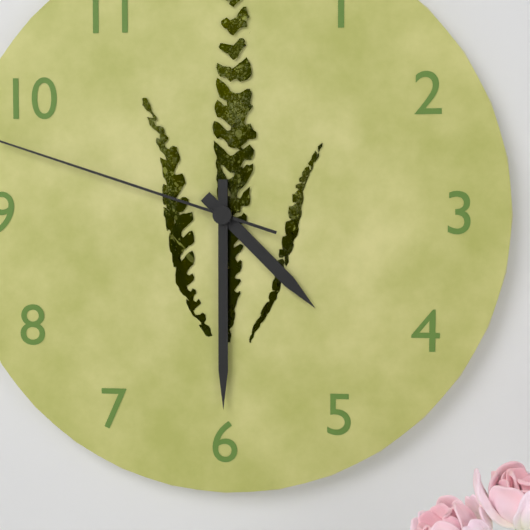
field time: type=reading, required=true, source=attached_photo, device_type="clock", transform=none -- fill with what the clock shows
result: 4:30
